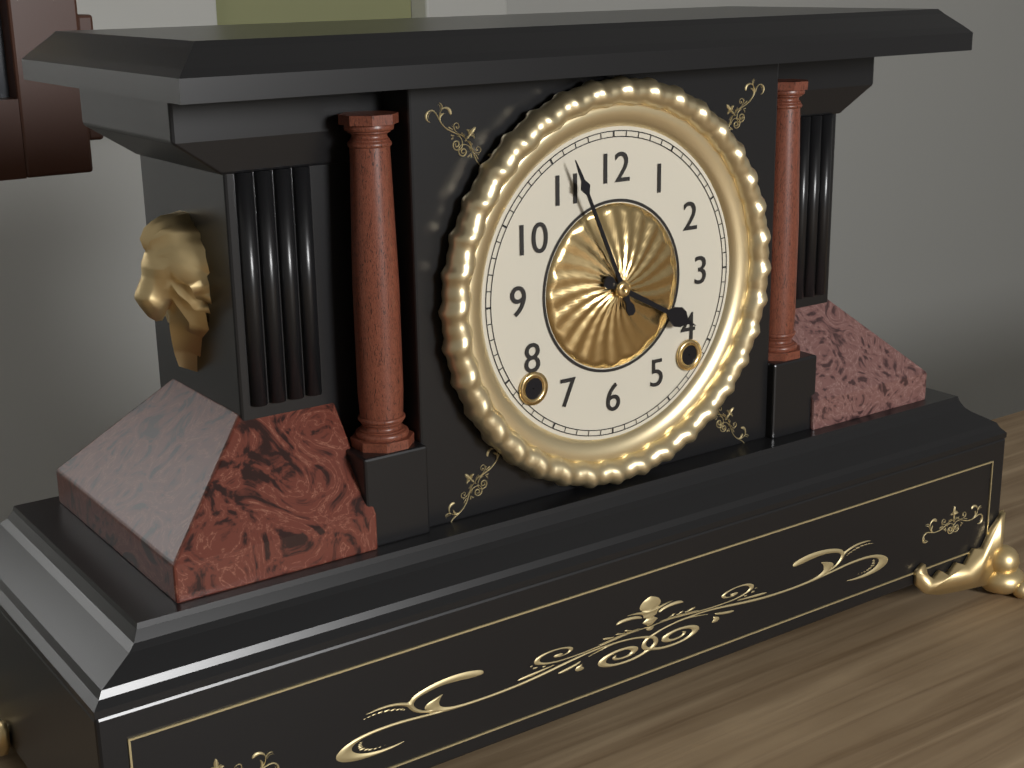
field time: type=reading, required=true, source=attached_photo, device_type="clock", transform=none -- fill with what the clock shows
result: 3:56
